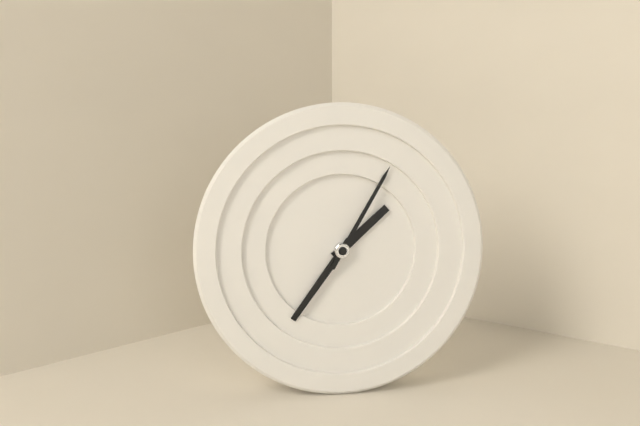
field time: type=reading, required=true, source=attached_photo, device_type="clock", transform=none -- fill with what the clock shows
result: 1:36:05
